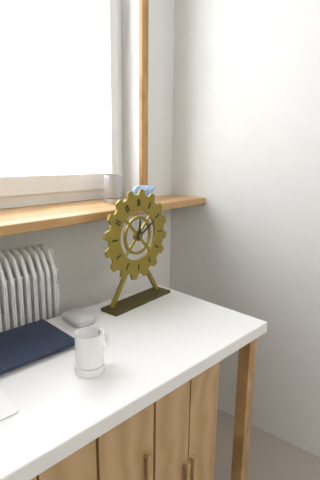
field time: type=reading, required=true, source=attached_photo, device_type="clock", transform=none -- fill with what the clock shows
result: 12:10
